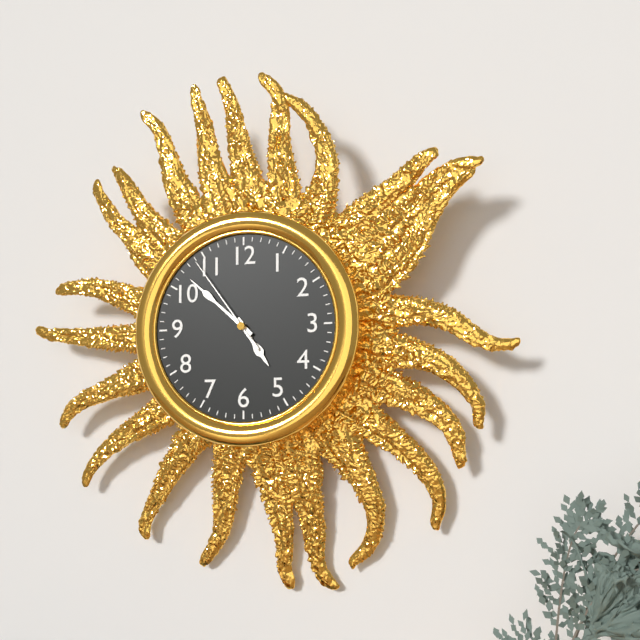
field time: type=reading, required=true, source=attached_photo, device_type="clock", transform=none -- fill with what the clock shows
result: 4:52:54
